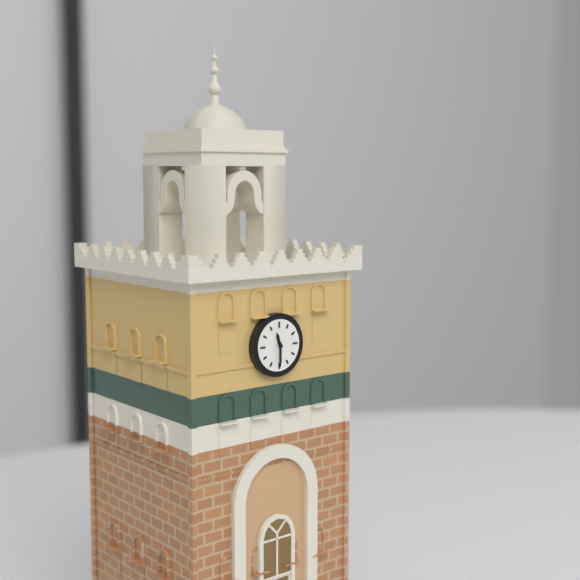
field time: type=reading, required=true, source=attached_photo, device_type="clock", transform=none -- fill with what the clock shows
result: 11:30
